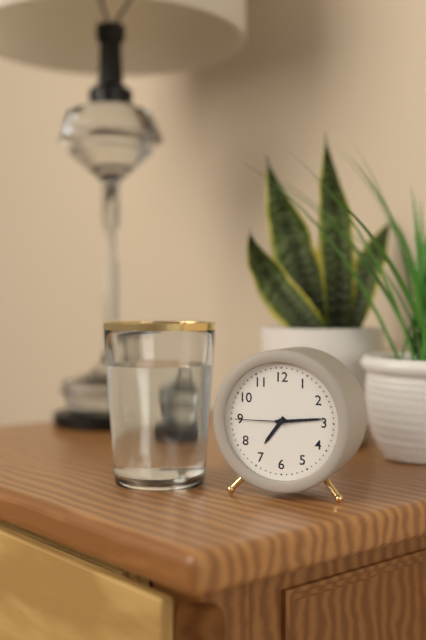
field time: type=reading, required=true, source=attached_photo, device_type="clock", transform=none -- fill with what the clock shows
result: 7:14:45
